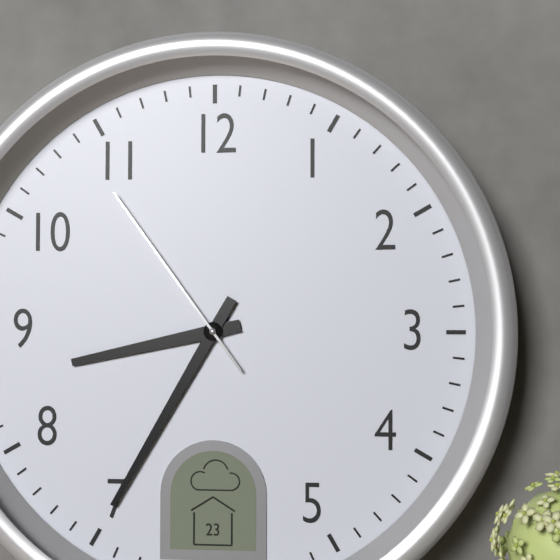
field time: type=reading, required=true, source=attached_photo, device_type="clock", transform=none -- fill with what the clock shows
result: 8:35:54
